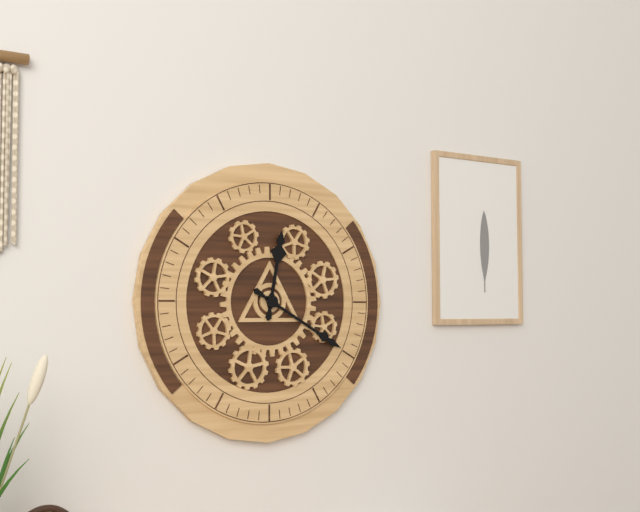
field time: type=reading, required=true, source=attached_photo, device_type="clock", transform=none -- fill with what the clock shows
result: 12:20
